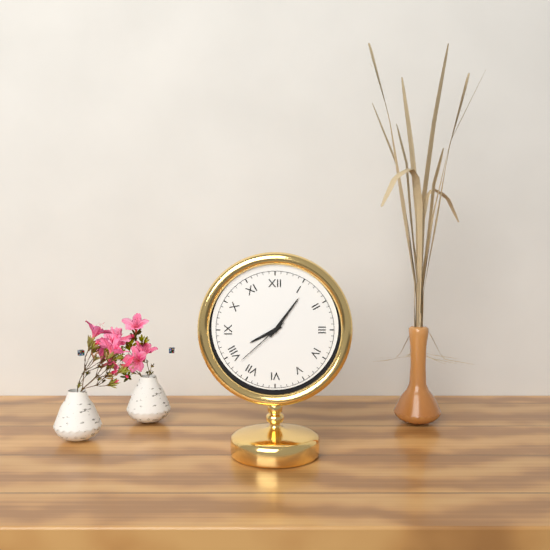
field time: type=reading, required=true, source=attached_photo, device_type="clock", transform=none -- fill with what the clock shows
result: 8:06:38
